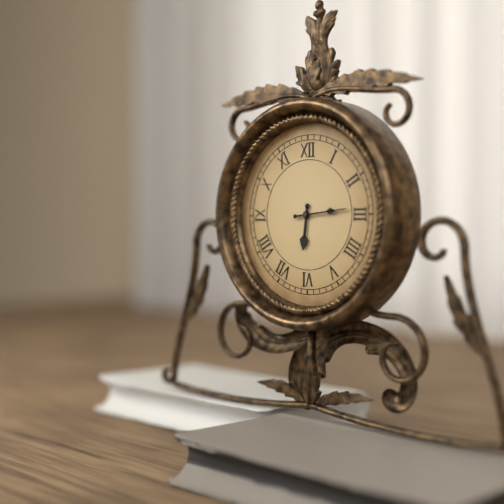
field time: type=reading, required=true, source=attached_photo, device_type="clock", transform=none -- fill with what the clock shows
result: 6:14
